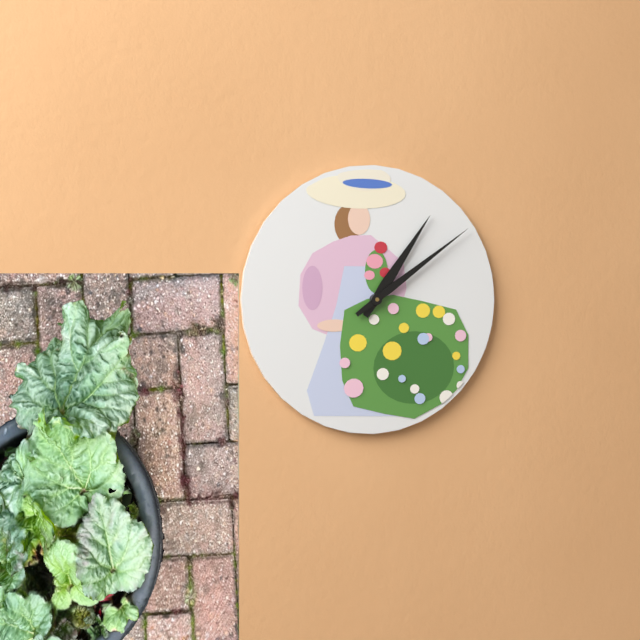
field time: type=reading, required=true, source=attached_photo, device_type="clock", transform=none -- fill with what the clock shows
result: 1:09
